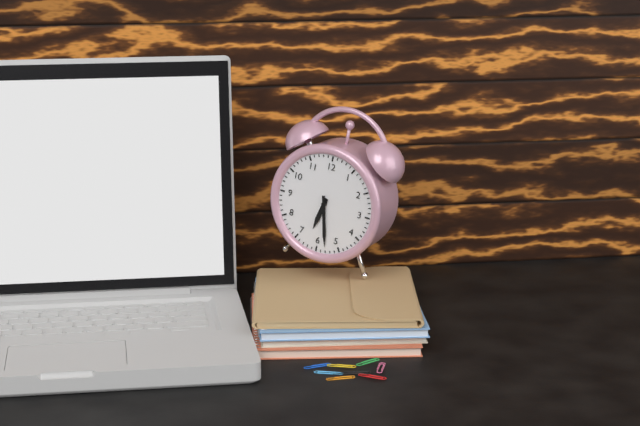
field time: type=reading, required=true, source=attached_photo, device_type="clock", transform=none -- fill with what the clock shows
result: 6:28
